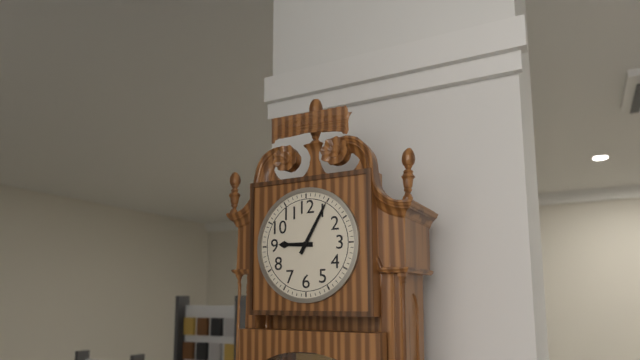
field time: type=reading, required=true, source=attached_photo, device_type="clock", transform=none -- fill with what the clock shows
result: 9:05
